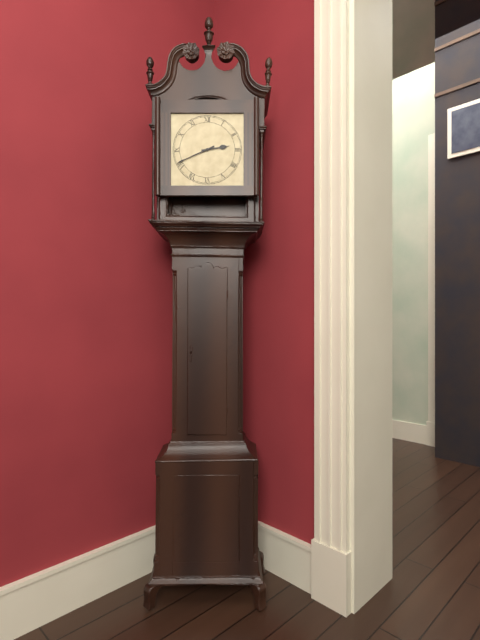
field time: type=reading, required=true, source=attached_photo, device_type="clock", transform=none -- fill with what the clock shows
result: 2:41
